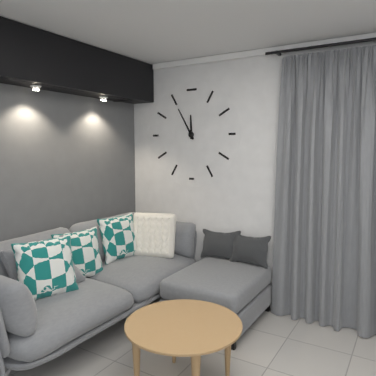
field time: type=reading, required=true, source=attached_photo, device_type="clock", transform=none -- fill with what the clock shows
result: 11:55
